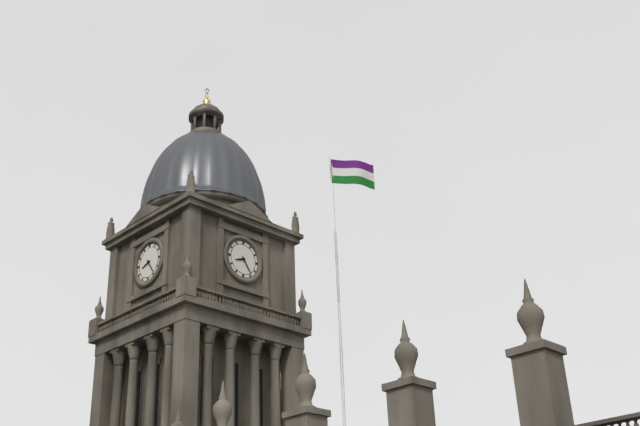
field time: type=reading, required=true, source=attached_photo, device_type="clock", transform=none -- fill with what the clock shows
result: 8:24
